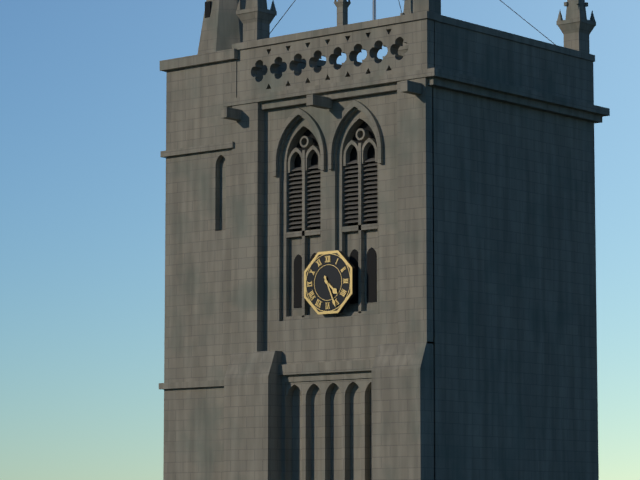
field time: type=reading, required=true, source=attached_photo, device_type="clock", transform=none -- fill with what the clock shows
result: 4:26
